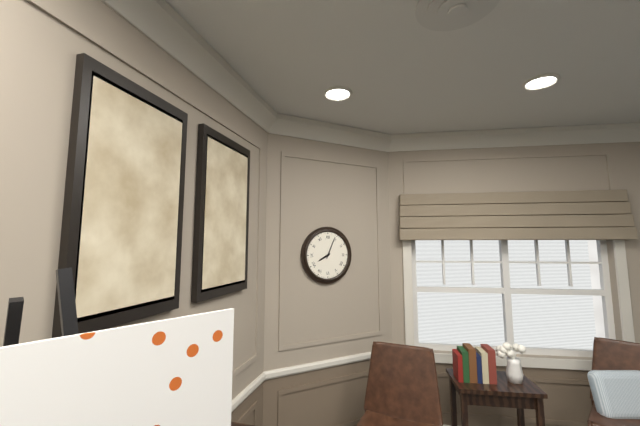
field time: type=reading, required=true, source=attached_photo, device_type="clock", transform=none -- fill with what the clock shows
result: 8:04
